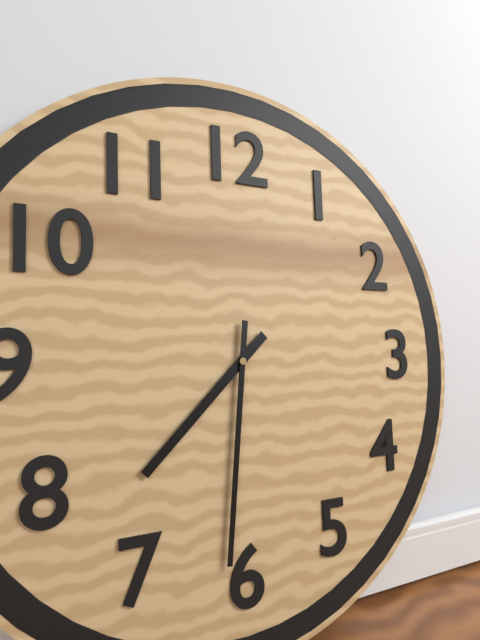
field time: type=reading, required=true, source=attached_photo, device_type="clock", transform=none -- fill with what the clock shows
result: 7:31
